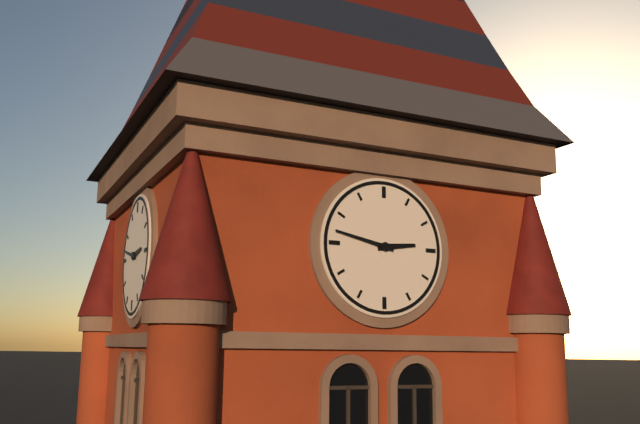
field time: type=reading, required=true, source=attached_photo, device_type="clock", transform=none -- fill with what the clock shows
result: 2:47
